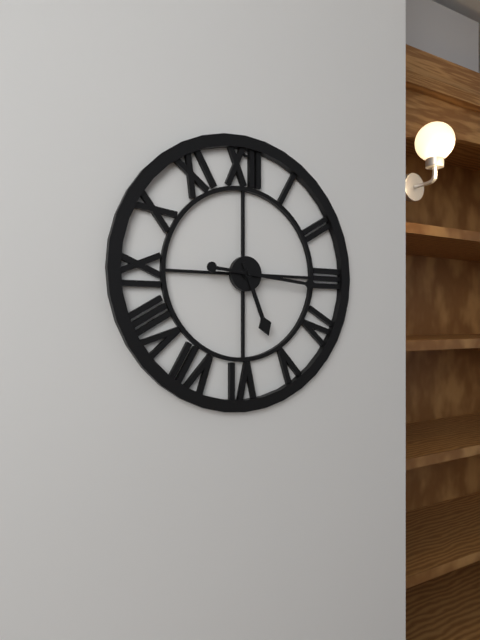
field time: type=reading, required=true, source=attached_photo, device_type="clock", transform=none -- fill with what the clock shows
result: 5:16
